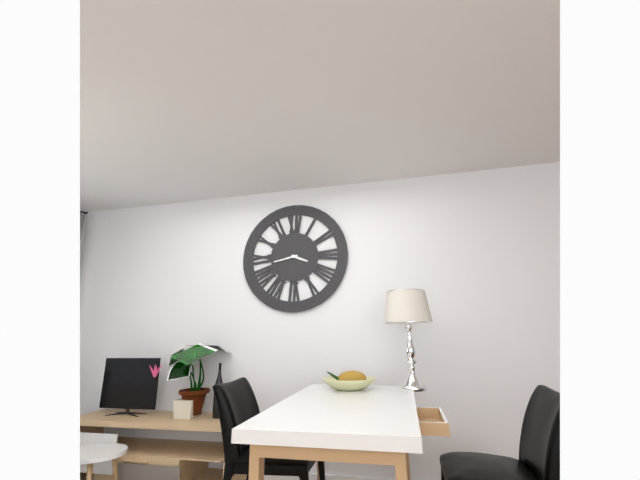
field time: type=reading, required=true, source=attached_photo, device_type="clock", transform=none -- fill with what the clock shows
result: 3:43
